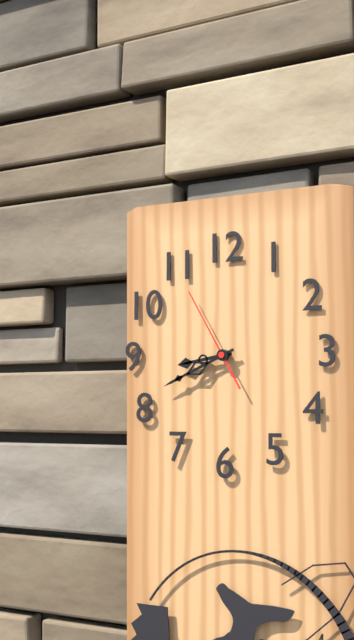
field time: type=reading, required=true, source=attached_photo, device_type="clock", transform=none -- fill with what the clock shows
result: 8:41:55
